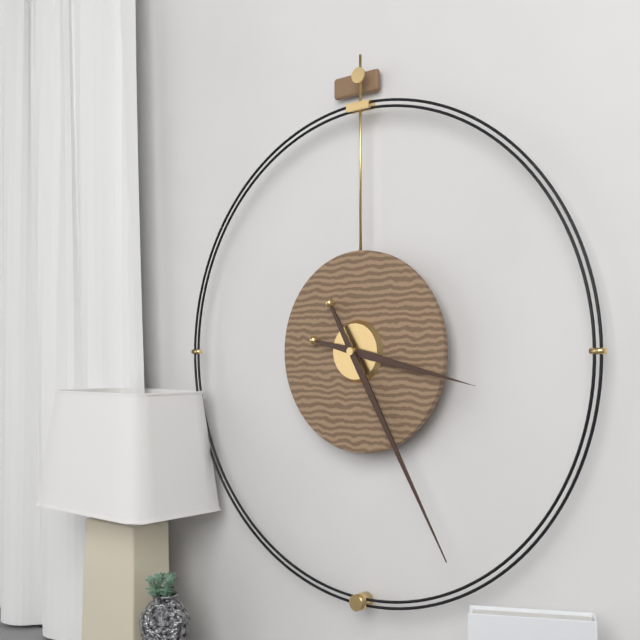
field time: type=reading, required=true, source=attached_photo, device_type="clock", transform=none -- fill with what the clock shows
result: 3:25
